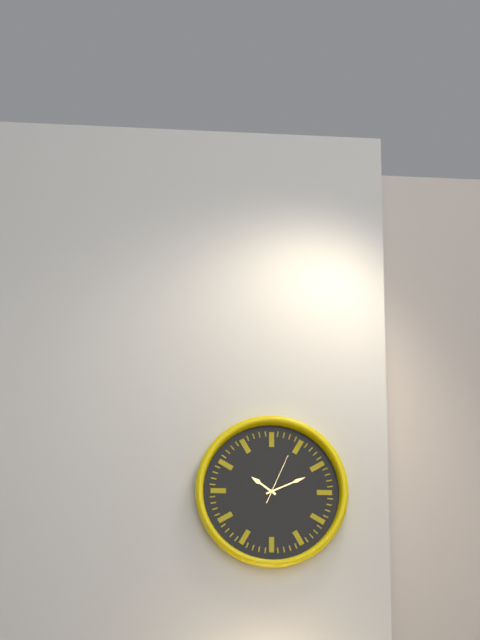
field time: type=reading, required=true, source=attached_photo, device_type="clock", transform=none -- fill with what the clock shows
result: 10:11:04
